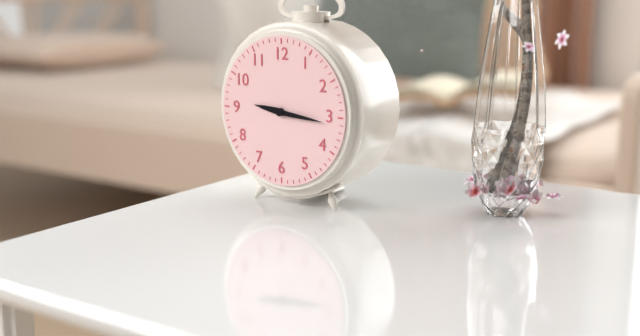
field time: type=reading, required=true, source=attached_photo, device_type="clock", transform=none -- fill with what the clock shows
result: 9:16
